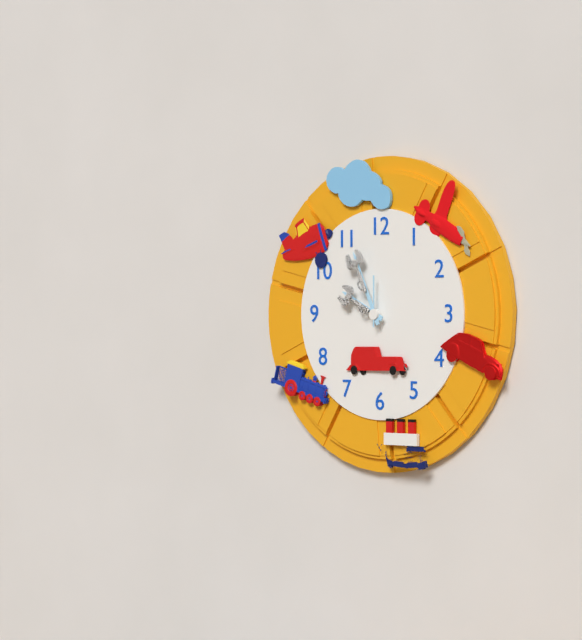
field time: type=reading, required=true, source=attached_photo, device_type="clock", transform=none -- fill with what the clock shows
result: 9:56
